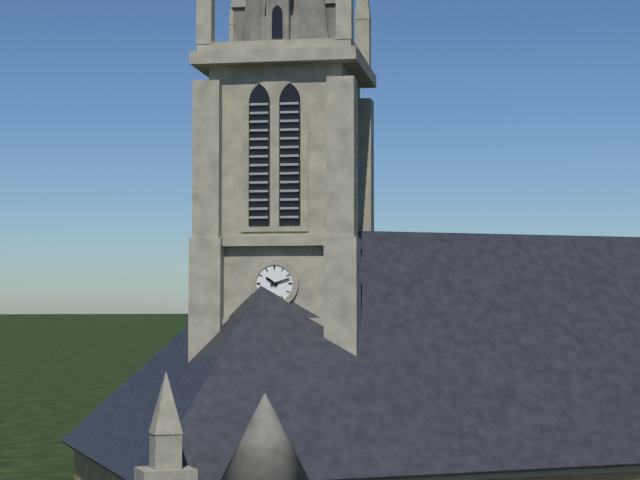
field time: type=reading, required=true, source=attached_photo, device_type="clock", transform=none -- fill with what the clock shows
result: 10:12
